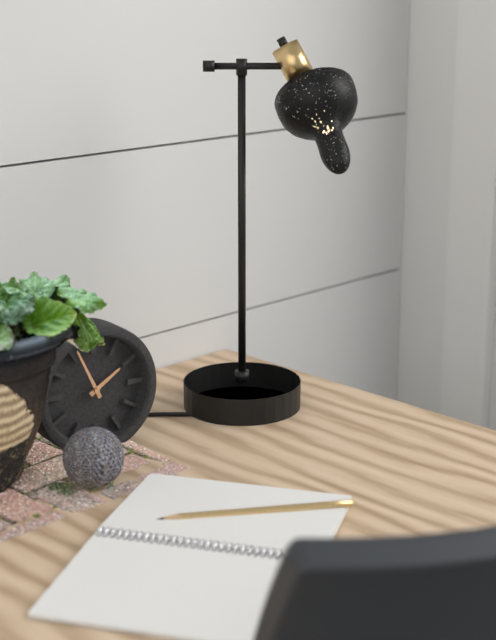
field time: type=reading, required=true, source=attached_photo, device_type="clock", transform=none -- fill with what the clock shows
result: 1:56
